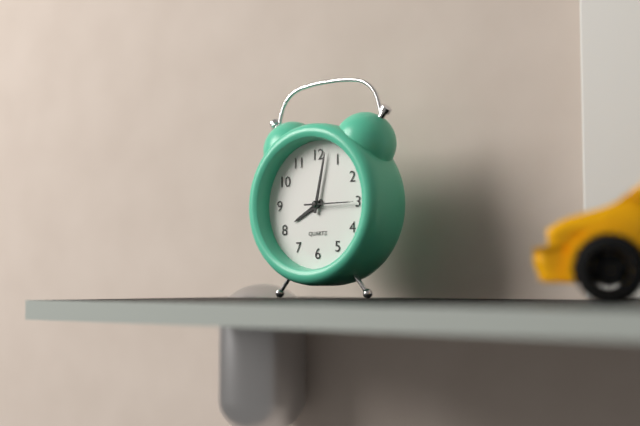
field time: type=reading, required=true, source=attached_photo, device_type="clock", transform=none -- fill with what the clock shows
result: 8:02
